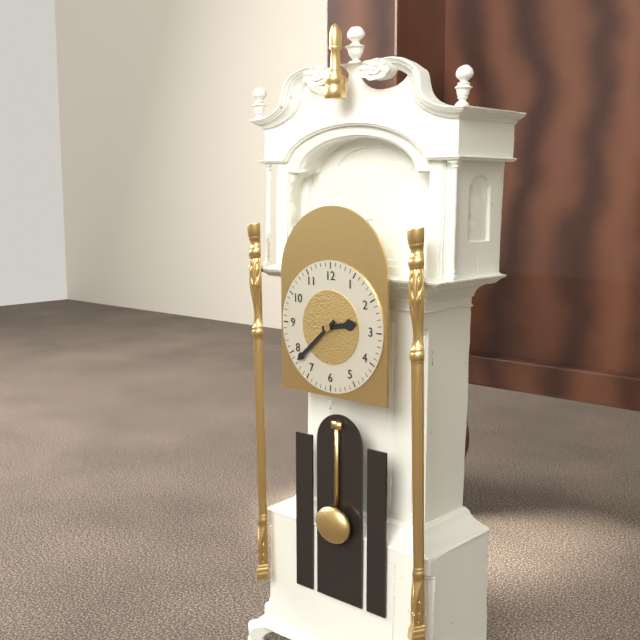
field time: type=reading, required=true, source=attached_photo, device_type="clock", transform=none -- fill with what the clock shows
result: 2:38
